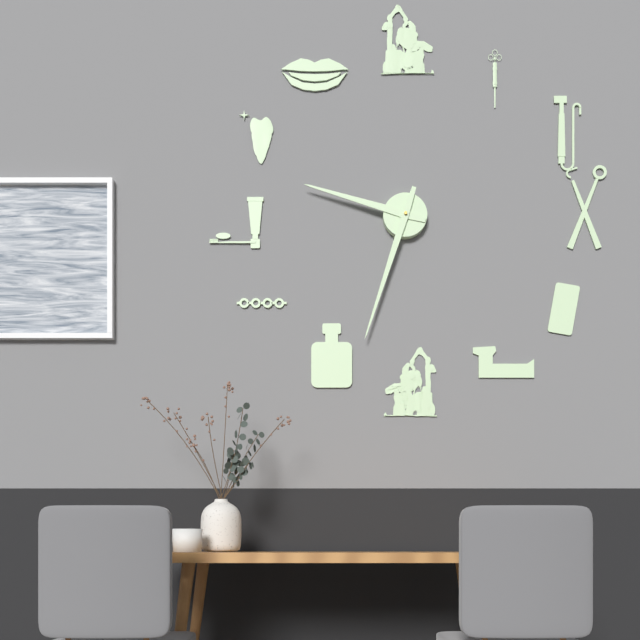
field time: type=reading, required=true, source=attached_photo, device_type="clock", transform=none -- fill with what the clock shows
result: 9:33
